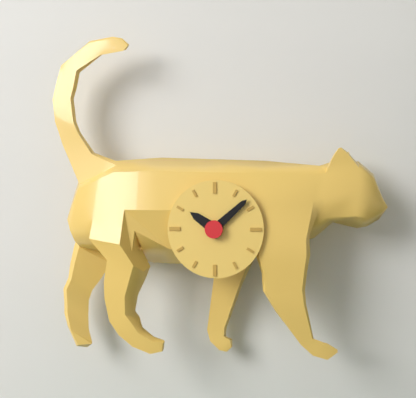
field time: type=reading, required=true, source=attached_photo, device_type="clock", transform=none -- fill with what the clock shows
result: 10:08
